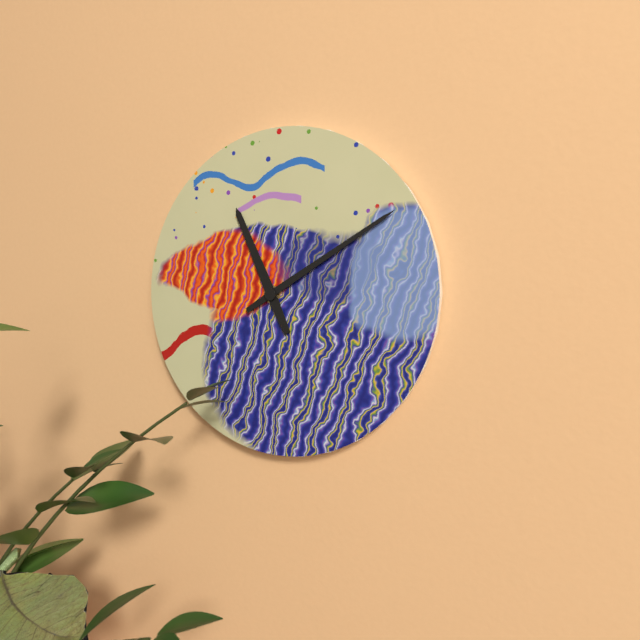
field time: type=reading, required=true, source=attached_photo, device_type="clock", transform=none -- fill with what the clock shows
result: 11:10
